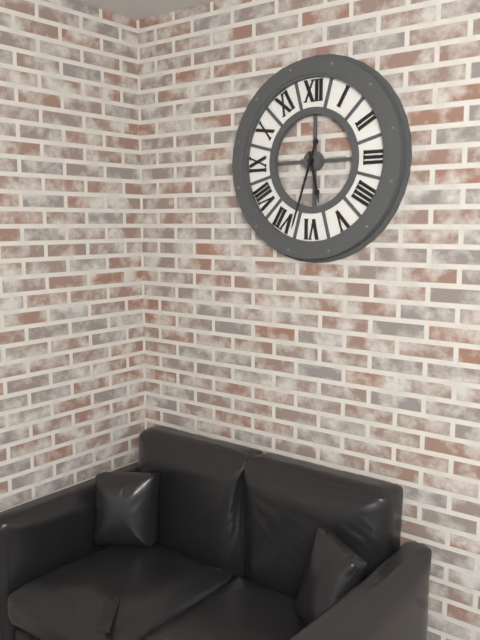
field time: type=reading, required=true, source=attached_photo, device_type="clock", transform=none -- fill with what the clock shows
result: 5:33
